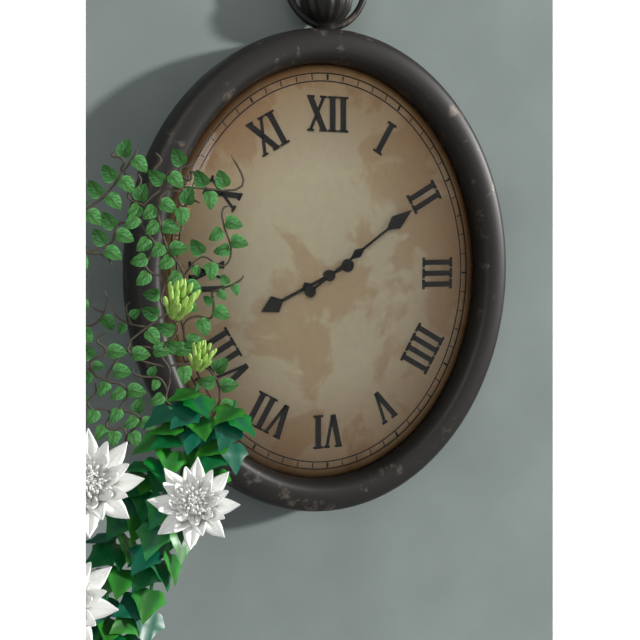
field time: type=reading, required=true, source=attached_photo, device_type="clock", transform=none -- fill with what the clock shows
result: 8:09
